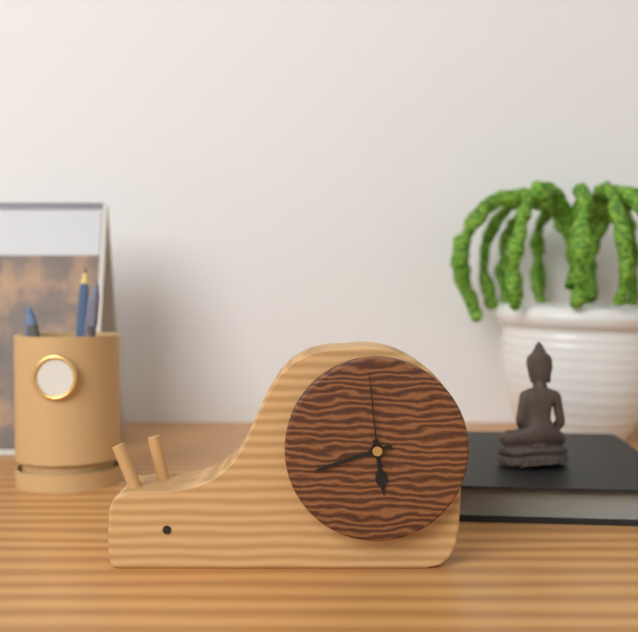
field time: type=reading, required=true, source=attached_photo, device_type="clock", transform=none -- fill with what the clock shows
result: 5:42:59
